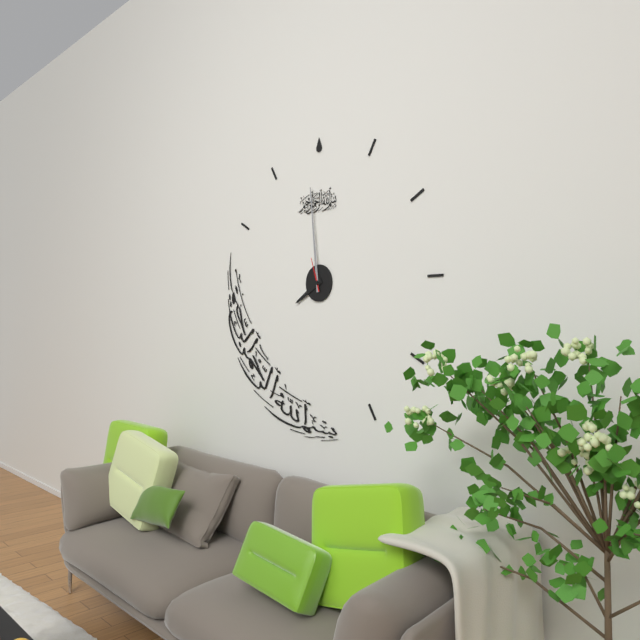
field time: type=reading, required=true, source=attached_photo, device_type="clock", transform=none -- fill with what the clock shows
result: 7:59
